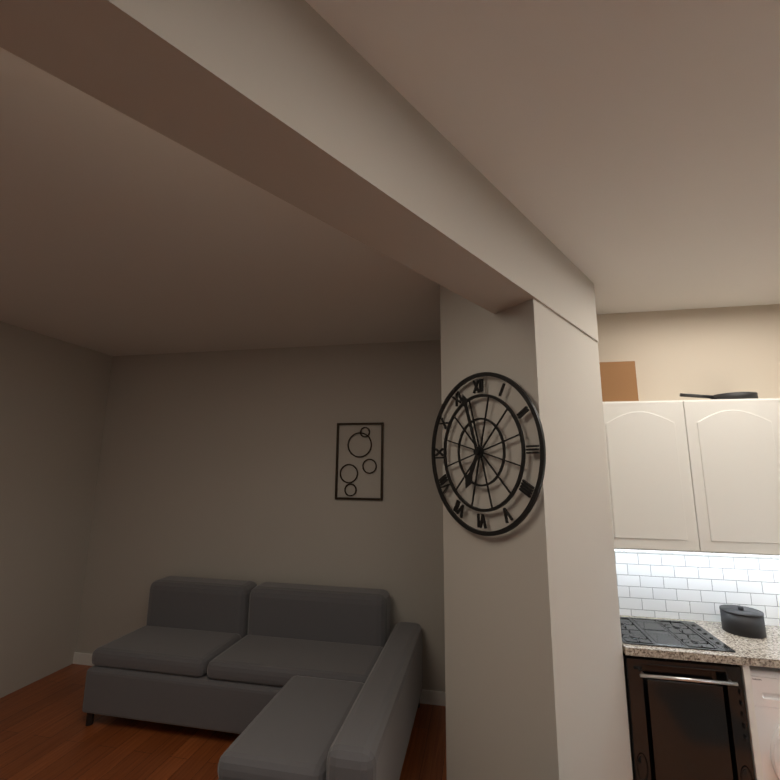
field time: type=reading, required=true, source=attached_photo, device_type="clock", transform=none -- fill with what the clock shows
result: 6:57
